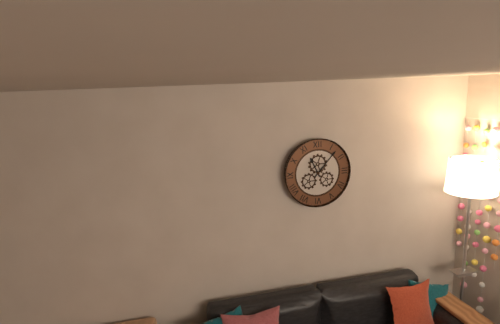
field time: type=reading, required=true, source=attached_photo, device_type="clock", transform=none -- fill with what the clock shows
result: 11:07
